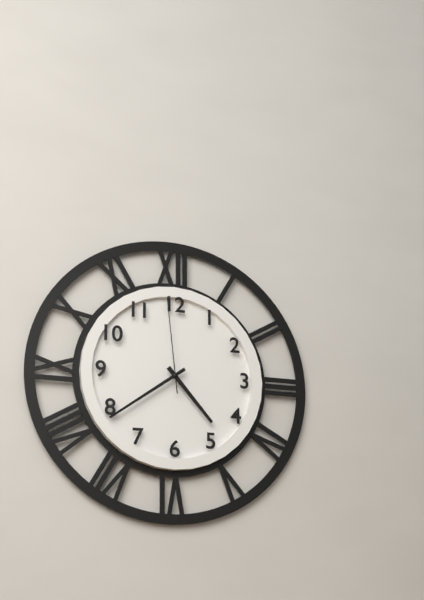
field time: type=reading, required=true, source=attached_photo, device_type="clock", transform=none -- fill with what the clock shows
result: 4:39:59
